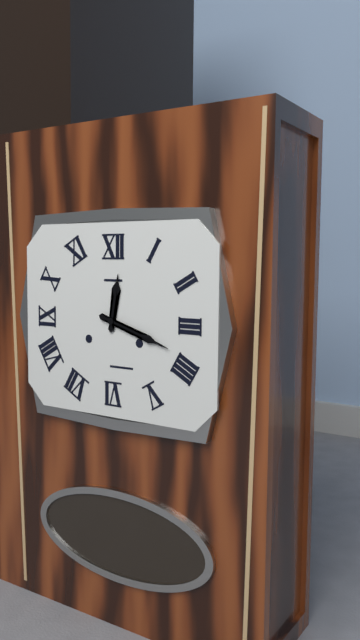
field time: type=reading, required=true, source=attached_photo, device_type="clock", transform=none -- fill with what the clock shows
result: 12:18
